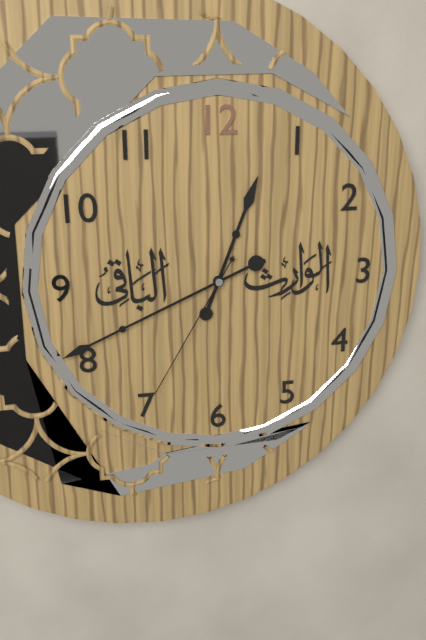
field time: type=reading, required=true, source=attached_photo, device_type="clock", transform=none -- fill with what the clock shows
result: 12:41:35
